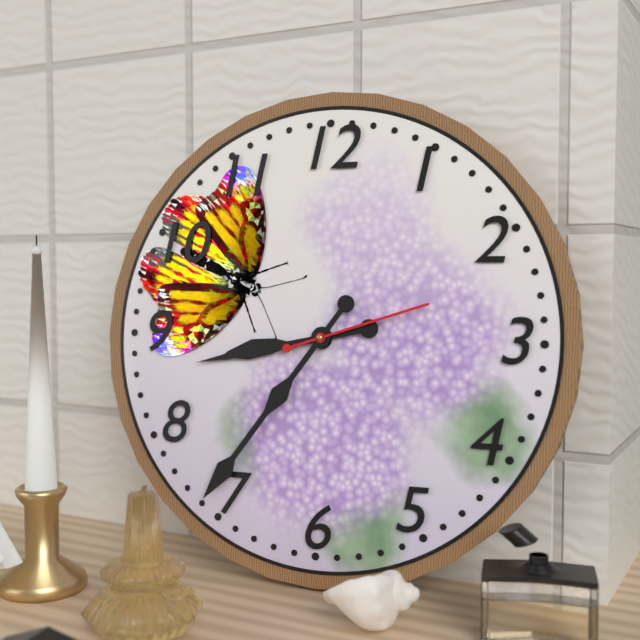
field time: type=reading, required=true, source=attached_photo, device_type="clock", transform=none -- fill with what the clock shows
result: 8:36:12
